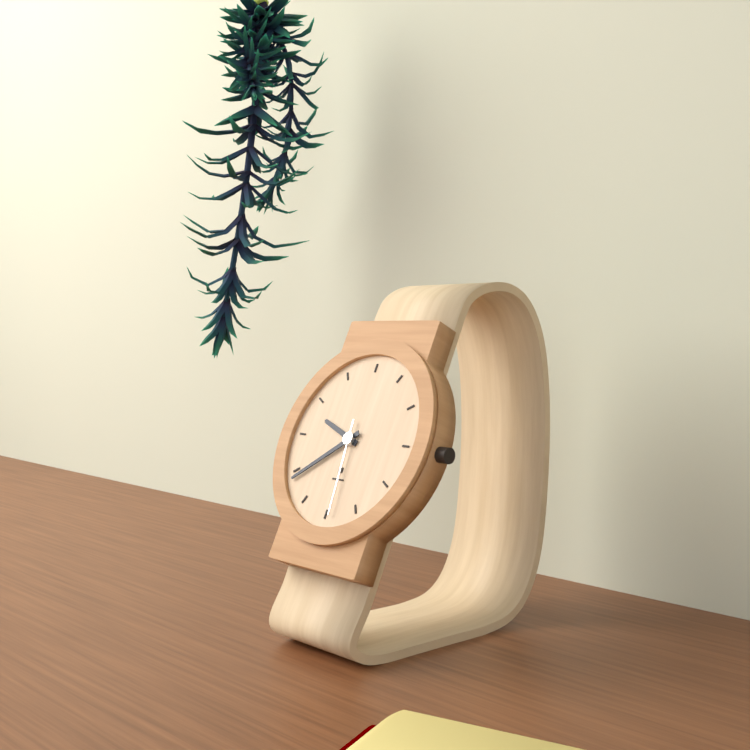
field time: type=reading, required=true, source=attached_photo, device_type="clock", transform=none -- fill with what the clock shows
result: 9:39:29
